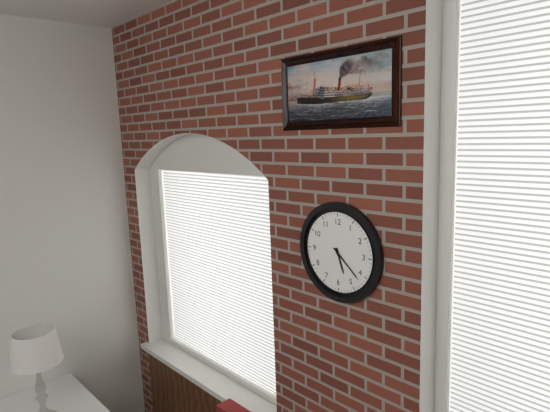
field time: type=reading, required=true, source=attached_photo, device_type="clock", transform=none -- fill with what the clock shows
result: 5:22
